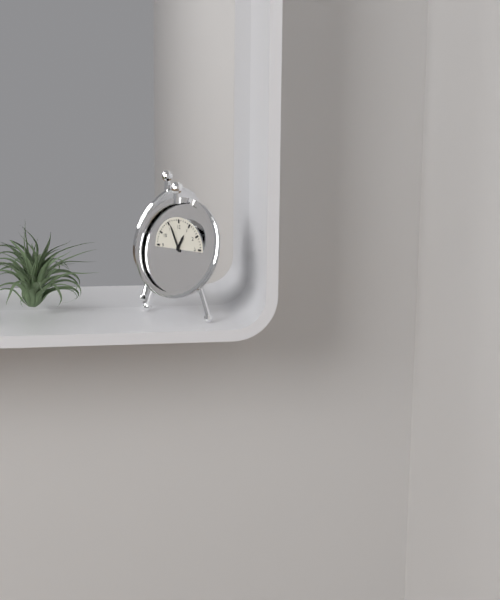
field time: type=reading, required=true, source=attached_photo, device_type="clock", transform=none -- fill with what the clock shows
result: 12:56
